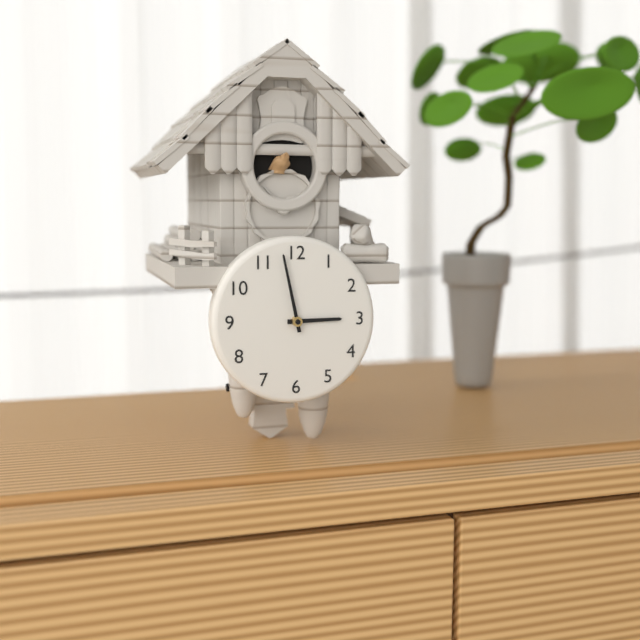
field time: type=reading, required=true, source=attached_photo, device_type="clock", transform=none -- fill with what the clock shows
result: 2:58
